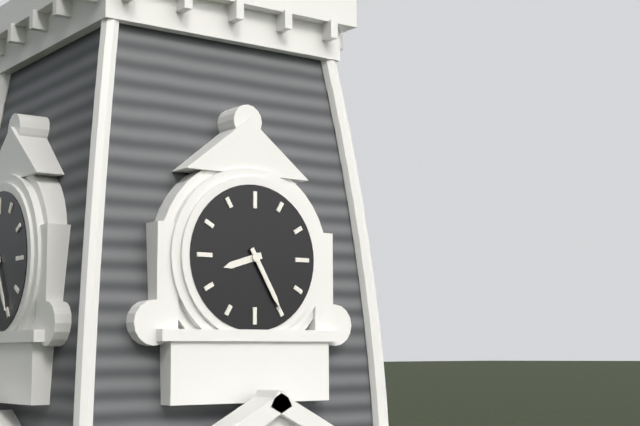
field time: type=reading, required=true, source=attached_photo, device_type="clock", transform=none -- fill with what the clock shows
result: 8:25
